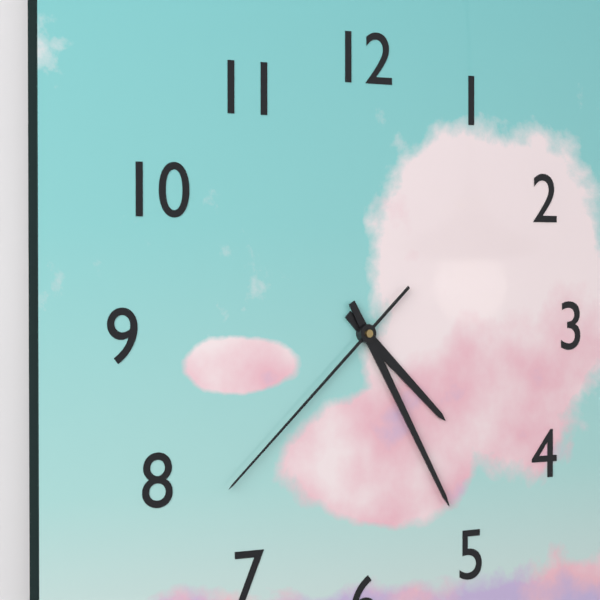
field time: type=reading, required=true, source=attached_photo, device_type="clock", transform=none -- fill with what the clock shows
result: 4:25:38
